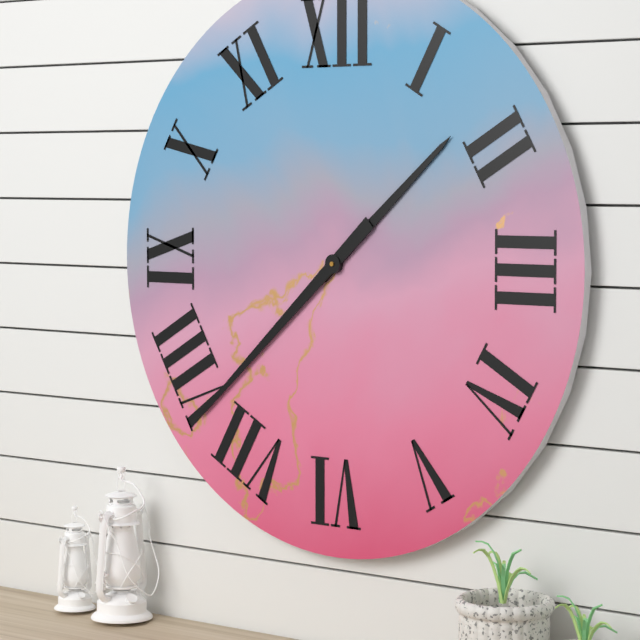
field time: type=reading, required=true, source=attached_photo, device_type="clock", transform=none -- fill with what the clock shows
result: 1:38
